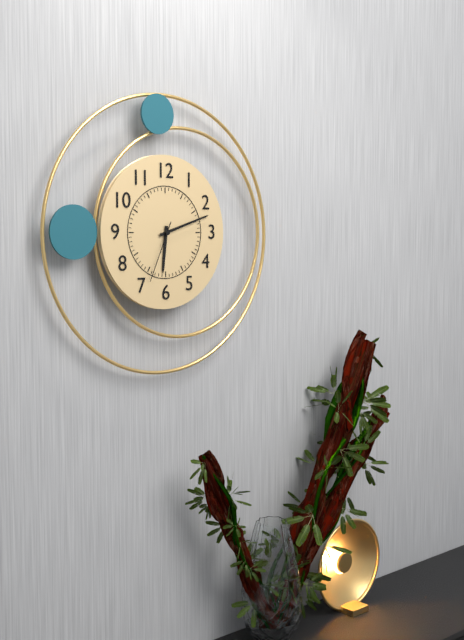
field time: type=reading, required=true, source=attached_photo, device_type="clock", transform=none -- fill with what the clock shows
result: 6:12:34
